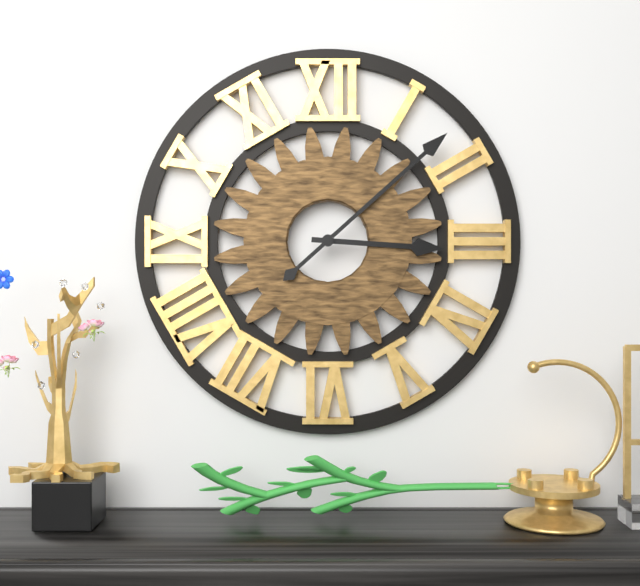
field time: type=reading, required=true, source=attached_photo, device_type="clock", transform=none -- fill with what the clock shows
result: 3:08
